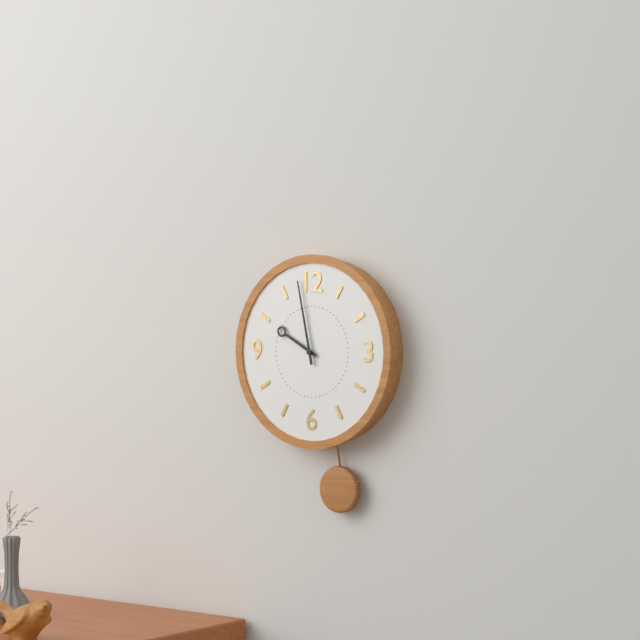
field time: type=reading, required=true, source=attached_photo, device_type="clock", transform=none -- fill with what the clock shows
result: 9:58
